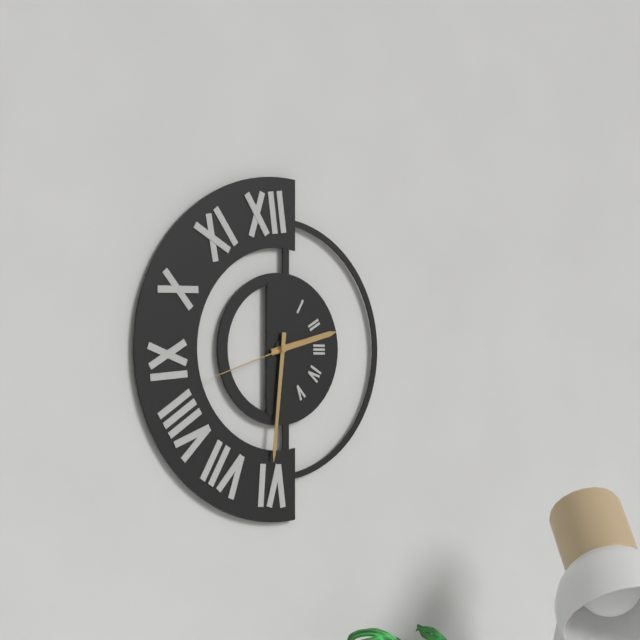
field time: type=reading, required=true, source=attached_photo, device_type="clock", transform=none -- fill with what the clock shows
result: 2:31:42
